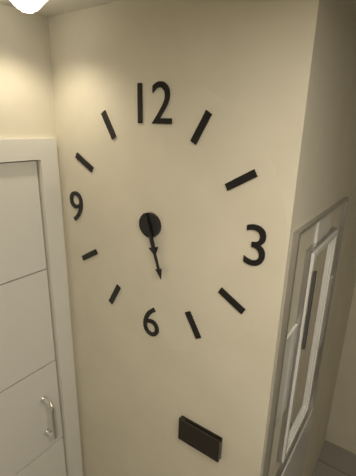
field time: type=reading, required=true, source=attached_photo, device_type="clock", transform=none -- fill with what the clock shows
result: 5:27
